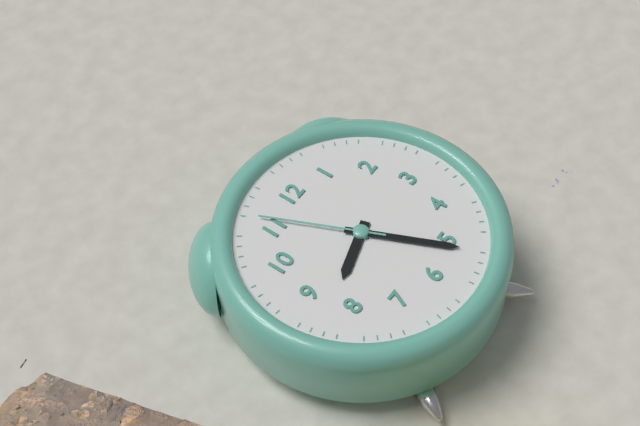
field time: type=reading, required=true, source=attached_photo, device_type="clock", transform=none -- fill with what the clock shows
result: 8:26:56
